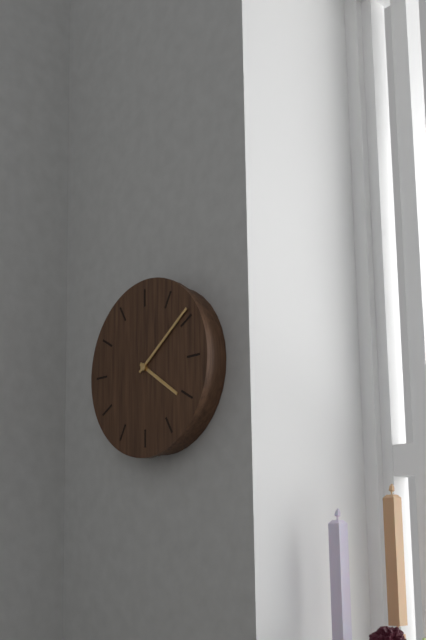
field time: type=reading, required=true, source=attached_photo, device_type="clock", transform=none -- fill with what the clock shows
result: 4:09
